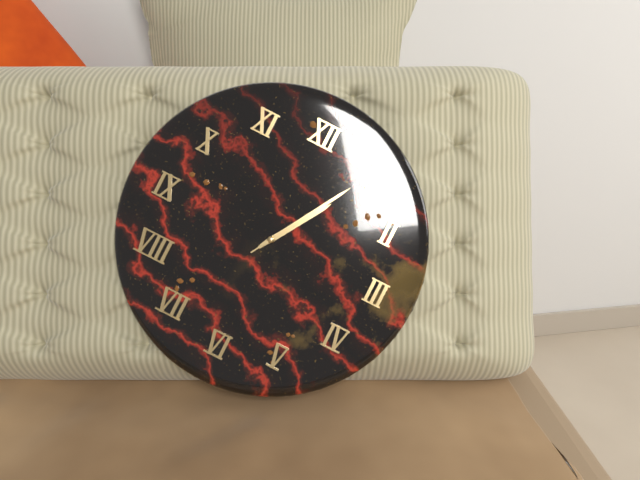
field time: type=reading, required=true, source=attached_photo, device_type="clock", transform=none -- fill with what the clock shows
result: 1:05:05
